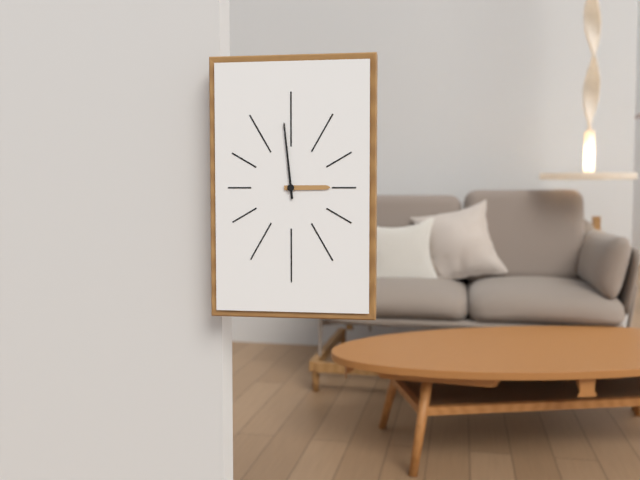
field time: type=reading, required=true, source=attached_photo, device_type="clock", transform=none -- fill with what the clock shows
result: 2:59
